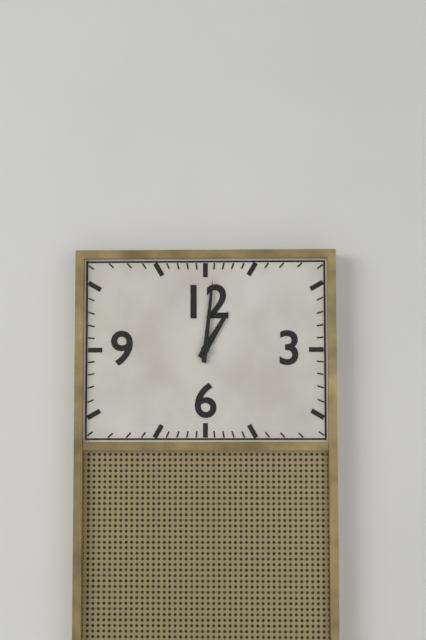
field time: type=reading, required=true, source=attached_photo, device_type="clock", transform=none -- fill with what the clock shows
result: 1:01
